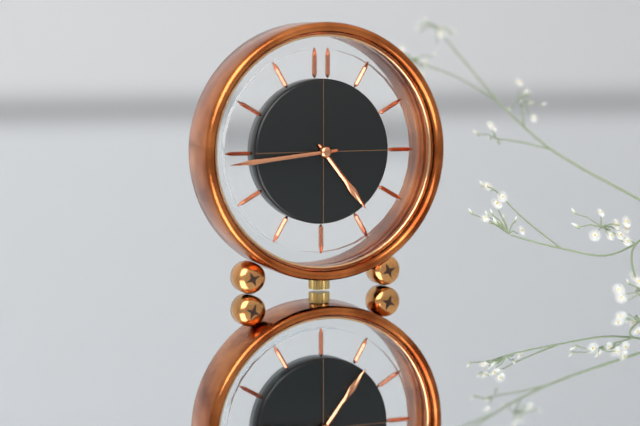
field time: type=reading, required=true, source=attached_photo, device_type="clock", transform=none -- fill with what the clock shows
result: 4:44
